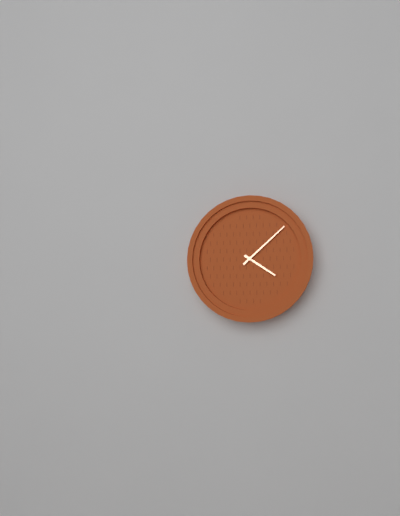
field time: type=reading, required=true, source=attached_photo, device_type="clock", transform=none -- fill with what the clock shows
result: 4:08
